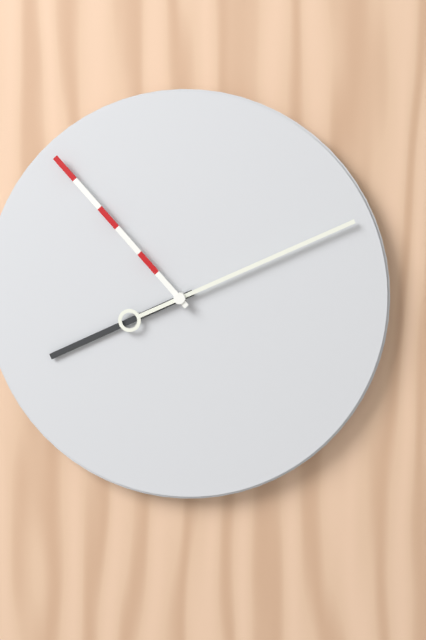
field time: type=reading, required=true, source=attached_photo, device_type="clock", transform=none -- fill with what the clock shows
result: 8:11:53
